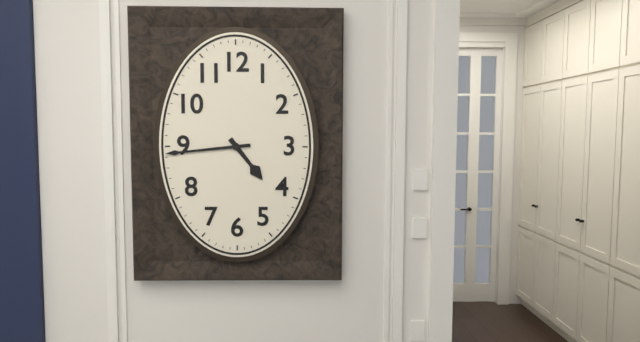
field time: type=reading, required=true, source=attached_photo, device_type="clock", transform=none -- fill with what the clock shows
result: 4:44
